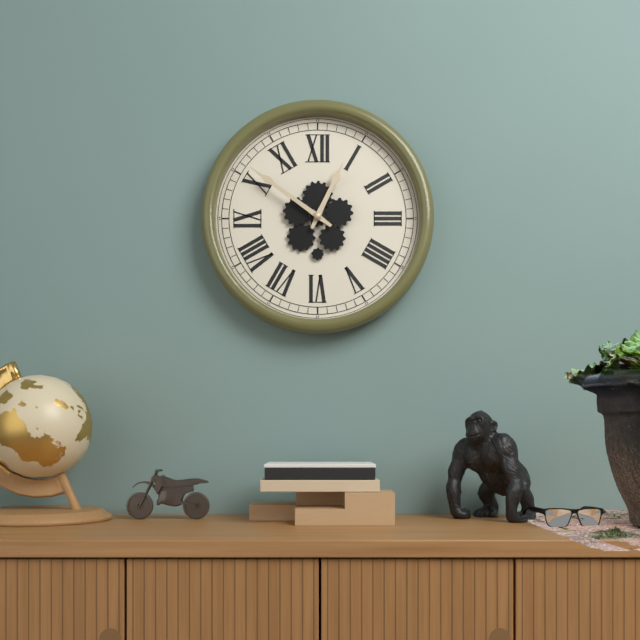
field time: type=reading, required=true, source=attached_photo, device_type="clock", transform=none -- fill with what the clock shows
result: 12:51
